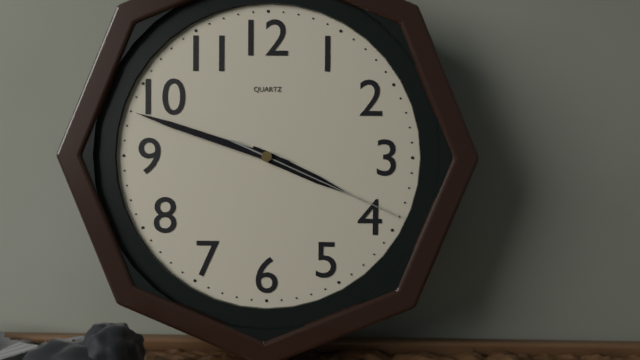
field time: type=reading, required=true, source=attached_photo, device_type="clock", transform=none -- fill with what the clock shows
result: 3:48:19
